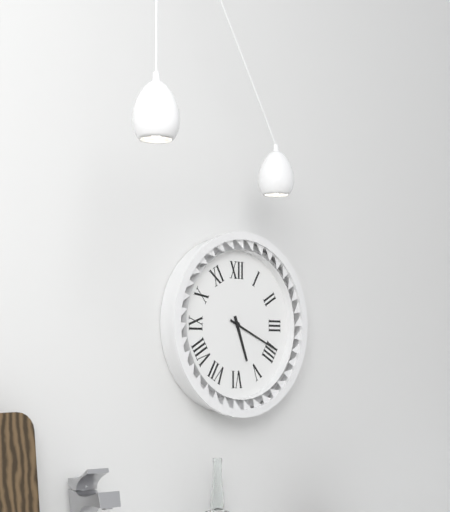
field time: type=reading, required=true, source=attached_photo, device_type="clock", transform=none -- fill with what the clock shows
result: 5:19
